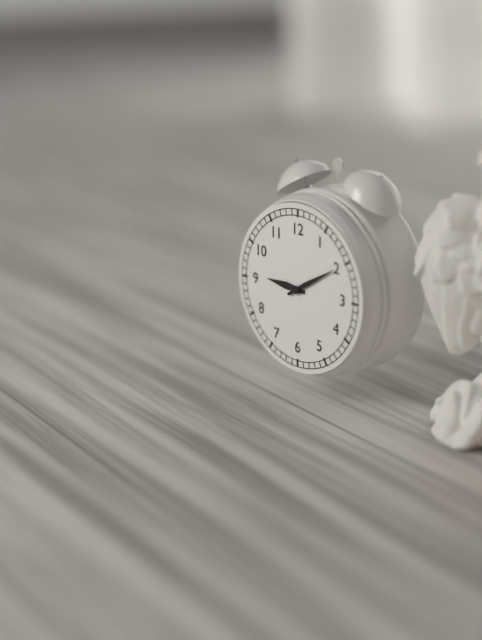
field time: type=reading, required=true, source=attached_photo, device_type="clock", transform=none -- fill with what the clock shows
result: 9:10
